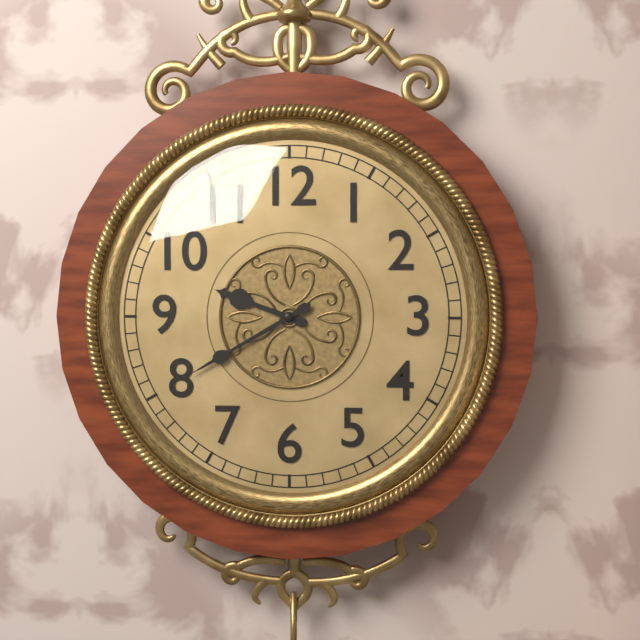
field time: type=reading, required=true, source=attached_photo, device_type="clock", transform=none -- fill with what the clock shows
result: 9:40
